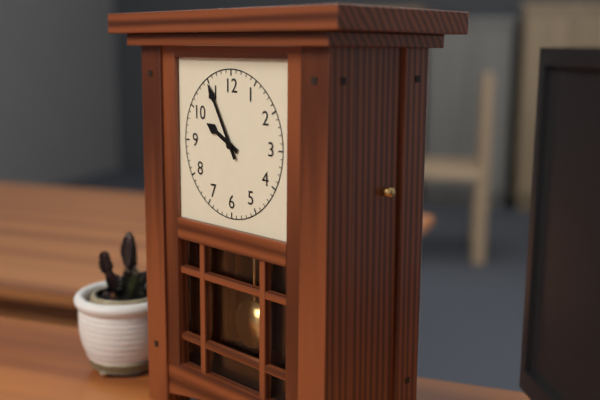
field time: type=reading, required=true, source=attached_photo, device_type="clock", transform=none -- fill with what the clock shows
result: 9:55
